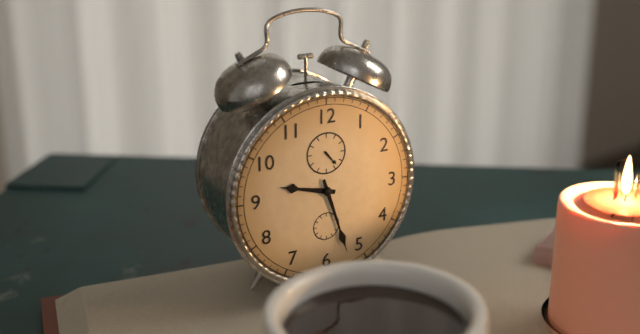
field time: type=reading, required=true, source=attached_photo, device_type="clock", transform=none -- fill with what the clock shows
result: 9:27
